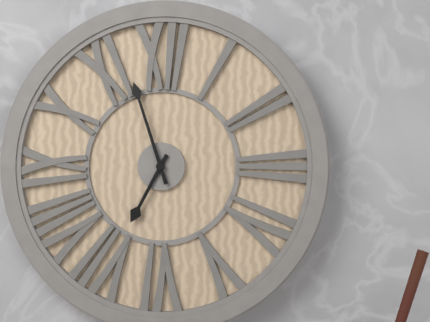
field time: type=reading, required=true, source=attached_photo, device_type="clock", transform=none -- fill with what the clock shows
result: 6:57
